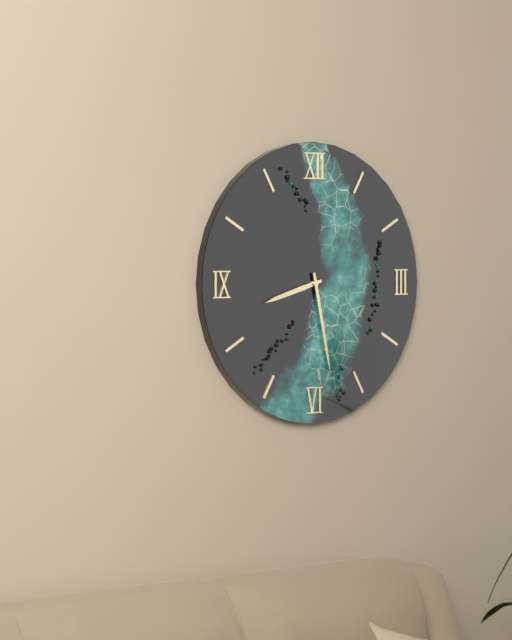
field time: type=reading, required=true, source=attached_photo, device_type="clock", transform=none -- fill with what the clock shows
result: 8:28
